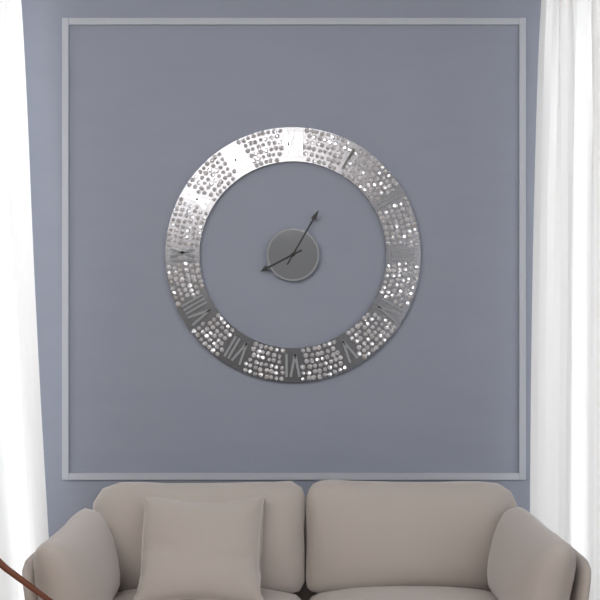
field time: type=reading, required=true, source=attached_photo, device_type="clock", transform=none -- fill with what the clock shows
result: 8:05
